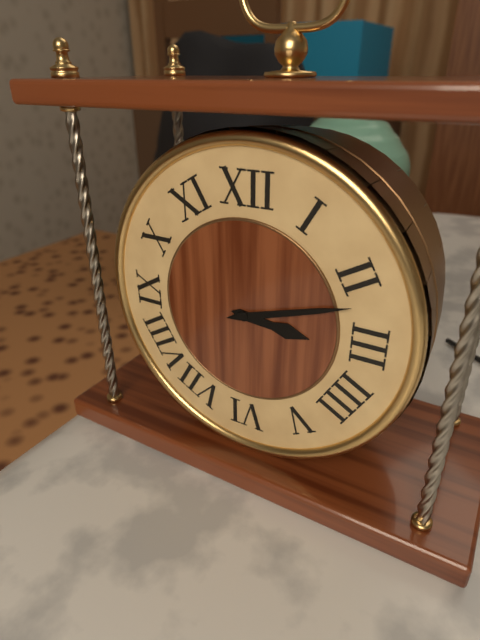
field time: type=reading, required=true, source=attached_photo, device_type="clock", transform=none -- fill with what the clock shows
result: 3:12
